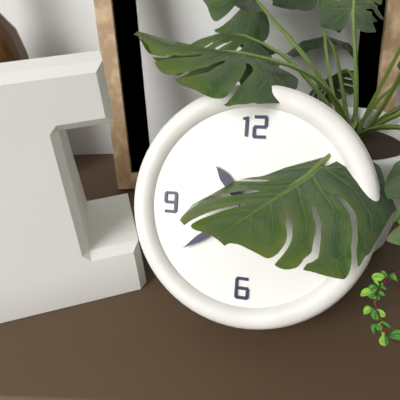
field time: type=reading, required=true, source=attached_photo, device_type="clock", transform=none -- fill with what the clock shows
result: 10:39
